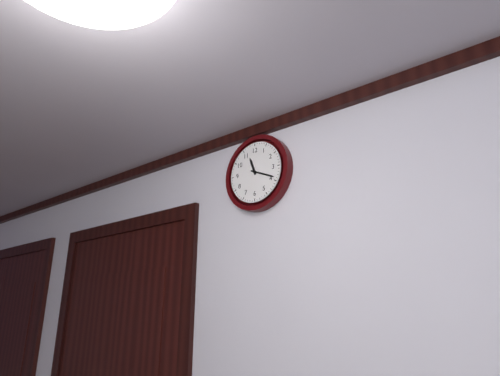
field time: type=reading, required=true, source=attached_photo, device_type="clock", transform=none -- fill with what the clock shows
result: 11:19
